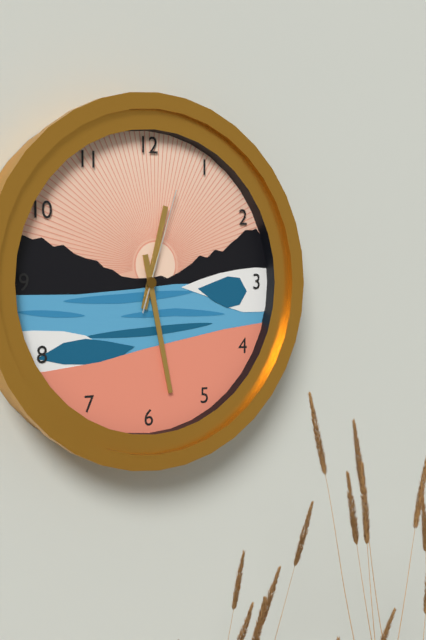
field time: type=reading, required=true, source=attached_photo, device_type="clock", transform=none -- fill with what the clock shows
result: 12:28:03
